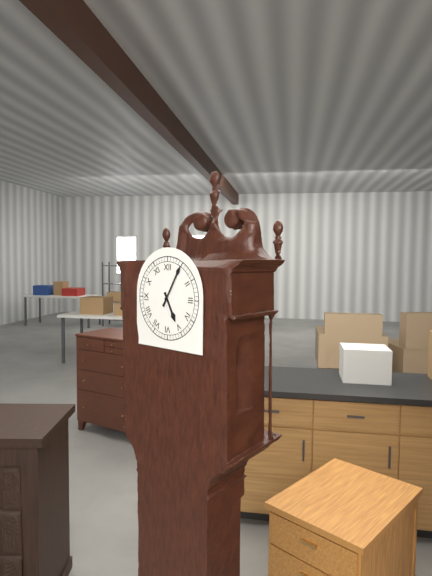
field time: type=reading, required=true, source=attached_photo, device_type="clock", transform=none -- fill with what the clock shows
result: 5:05
